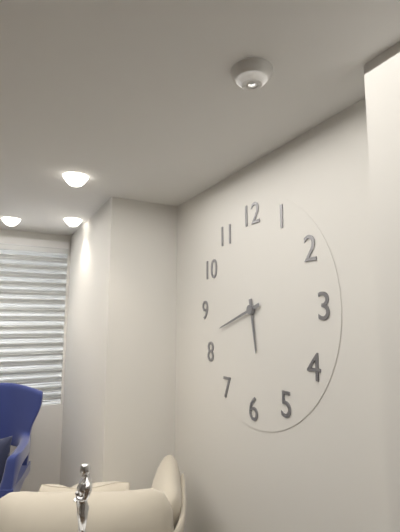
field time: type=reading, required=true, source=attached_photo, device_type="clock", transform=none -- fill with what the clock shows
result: 5:42
